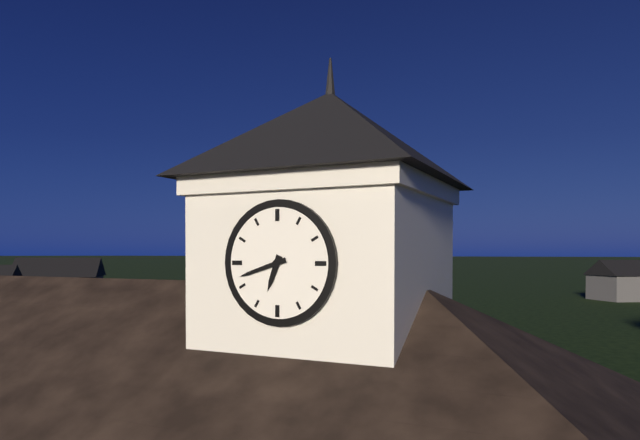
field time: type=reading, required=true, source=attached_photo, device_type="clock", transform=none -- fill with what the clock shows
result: 6:42
